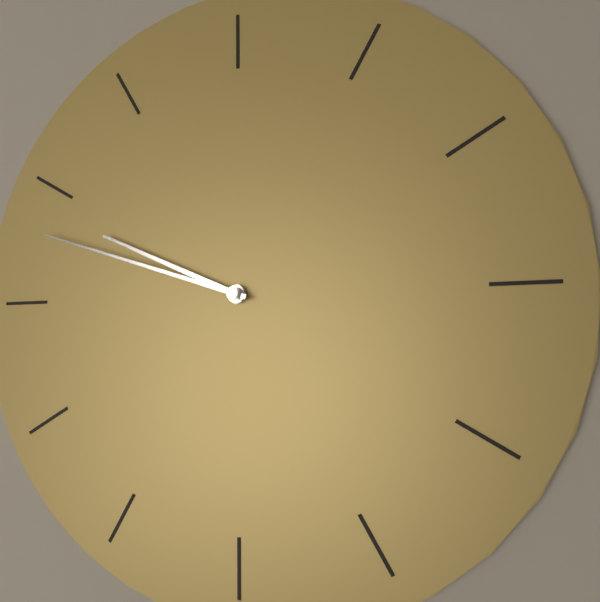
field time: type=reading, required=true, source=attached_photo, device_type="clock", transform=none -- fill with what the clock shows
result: 9:48
